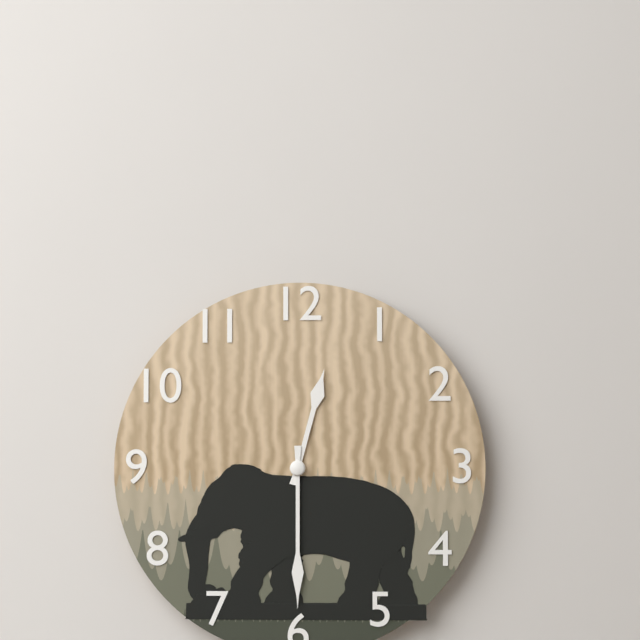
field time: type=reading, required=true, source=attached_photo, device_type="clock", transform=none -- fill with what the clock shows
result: 12:30
